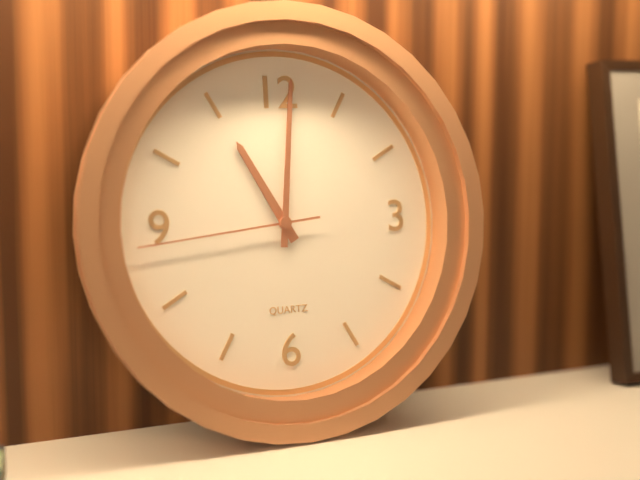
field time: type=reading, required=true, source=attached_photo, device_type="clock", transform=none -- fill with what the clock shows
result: 11:01:44
